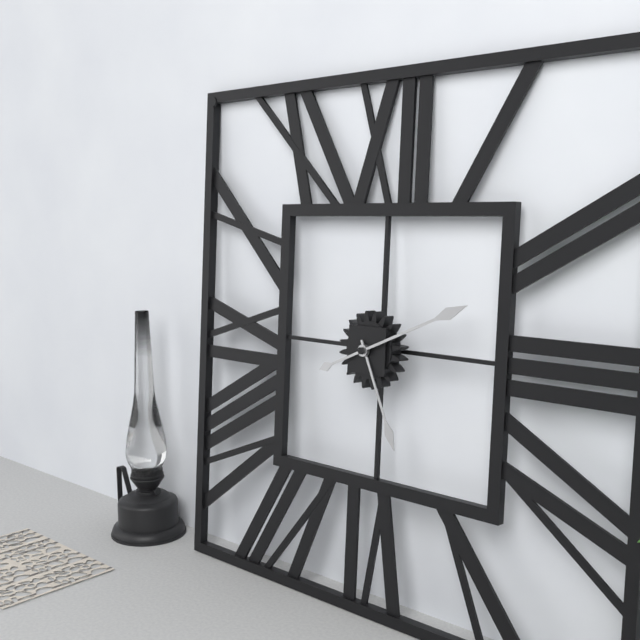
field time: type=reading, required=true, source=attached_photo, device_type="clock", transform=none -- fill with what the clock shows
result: 5:11
